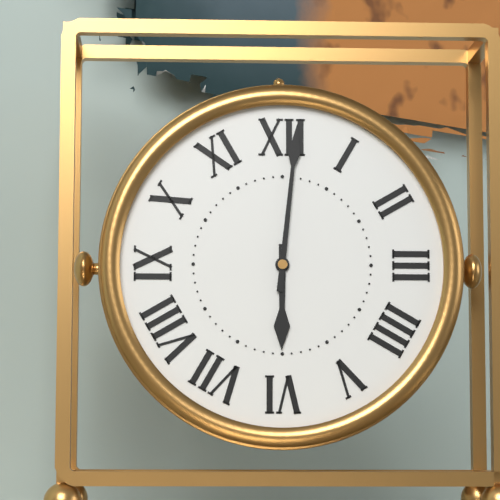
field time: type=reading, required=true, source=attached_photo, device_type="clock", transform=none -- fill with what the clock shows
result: 6:01
